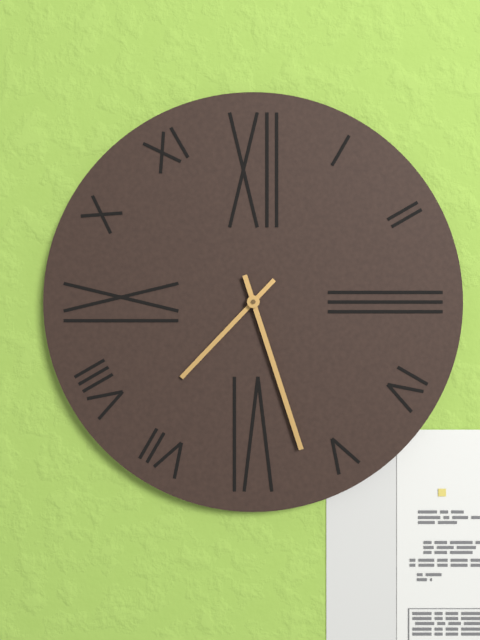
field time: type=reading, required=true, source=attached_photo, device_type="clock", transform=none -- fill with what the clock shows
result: 7:27
